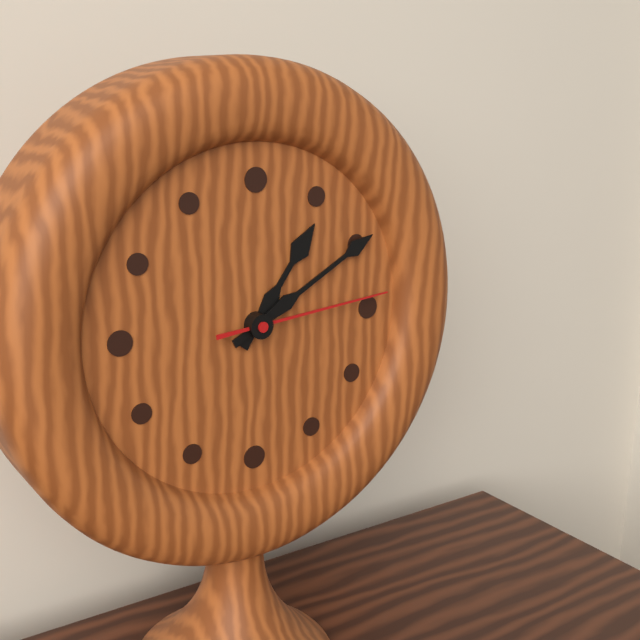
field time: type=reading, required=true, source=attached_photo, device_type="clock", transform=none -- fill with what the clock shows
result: 1:10:14
